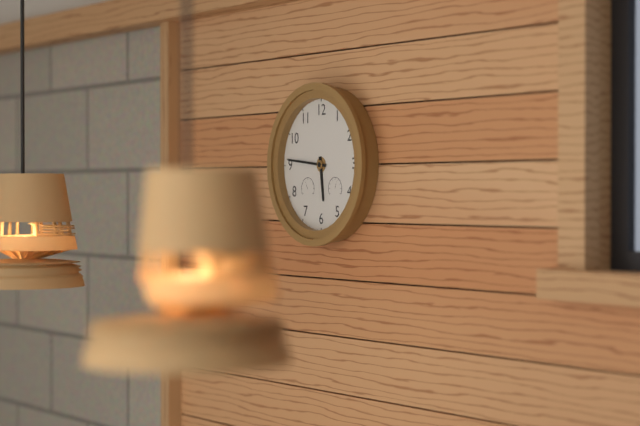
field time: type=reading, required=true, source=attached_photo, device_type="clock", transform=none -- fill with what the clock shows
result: 5:46
